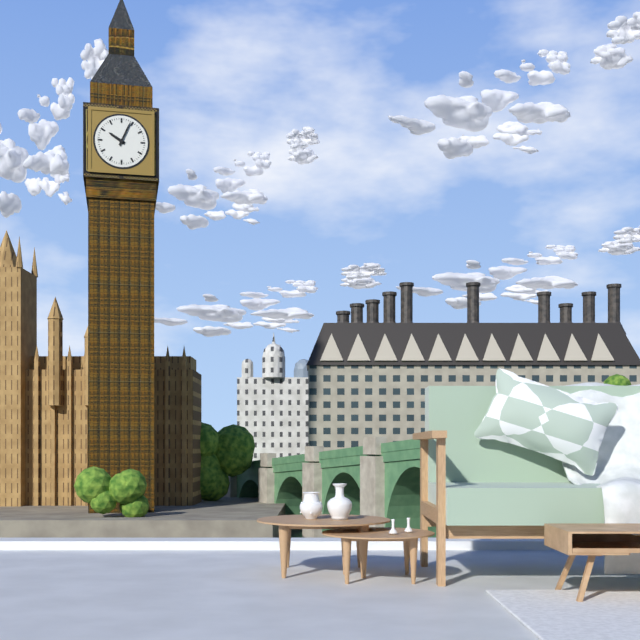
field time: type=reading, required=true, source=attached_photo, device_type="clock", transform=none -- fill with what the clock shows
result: 10:04
